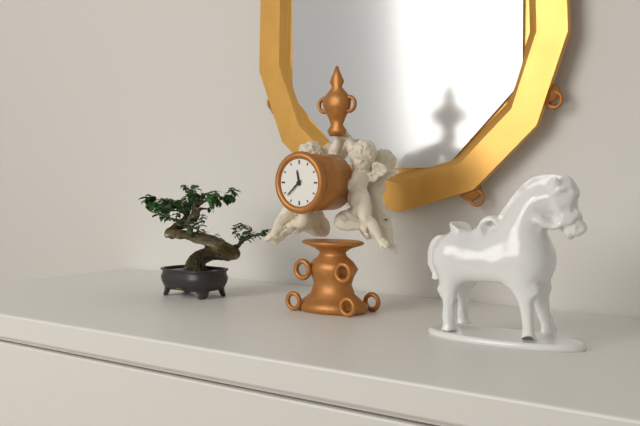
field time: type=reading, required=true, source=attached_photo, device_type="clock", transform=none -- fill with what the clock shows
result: 11:38
